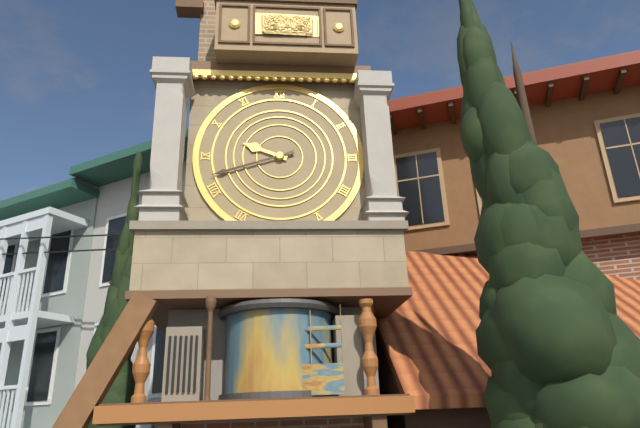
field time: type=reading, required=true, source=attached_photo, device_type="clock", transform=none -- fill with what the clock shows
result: 9:42
